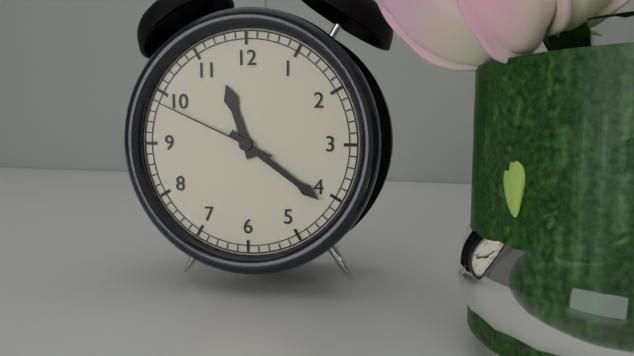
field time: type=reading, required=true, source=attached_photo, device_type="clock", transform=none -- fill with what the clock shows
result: 11:21:49
